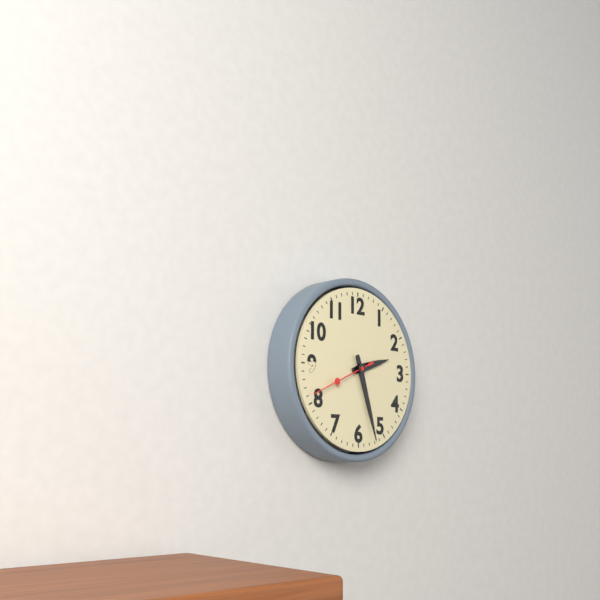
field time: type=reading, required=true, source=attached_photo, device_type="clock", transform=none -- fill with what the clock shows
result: 2:27:41
